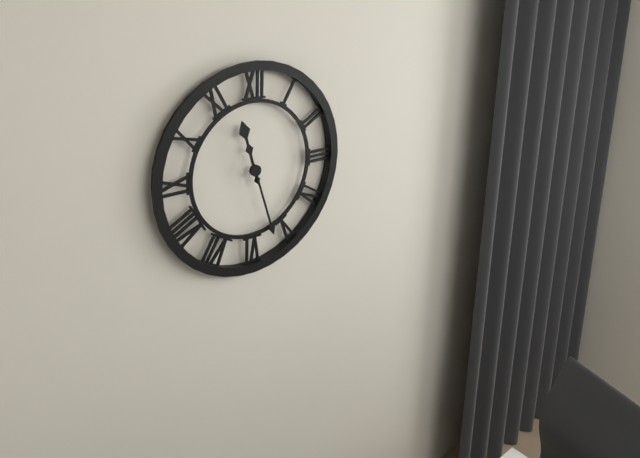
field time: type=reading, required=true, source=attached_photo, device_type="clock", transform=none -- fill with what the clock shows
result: 11:27
